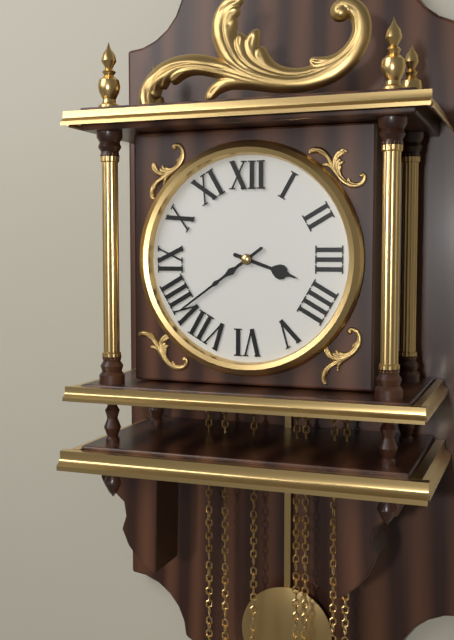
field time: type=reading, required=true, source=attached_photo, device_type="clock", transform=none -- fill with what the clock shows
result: 3:39
